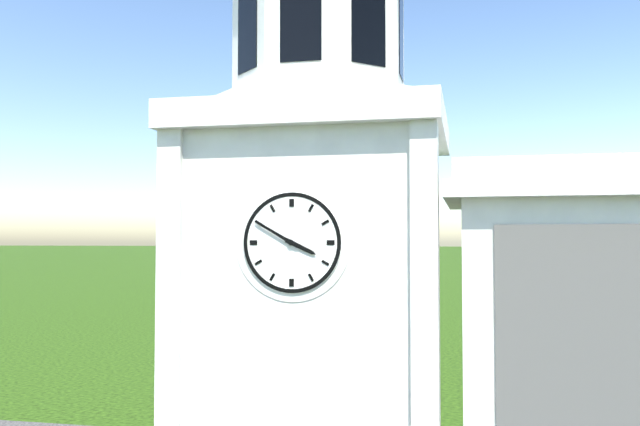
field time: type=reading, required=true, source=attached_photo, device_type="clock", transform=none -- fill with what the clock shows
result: 3:50
